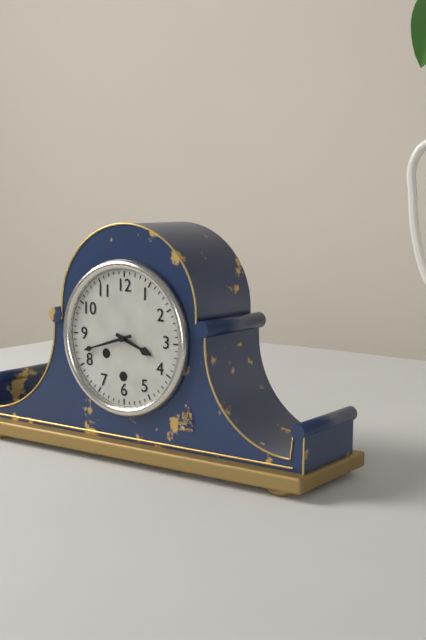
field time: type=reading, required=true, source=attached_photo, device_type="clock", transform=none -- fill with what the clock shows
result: 3:42
